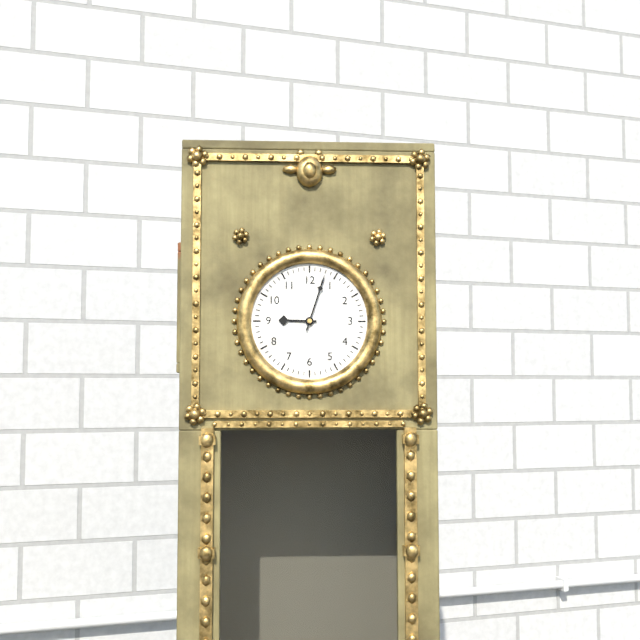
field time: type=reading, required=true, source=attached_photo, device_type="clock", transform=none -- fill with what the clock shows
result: 9:03
